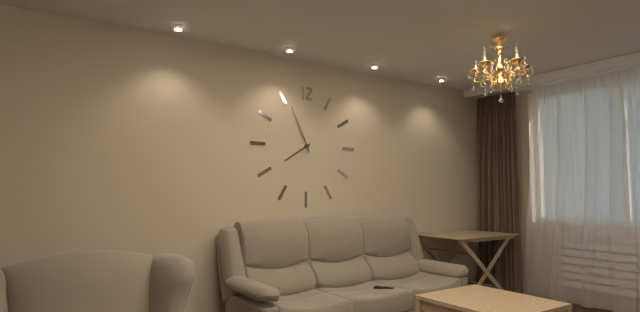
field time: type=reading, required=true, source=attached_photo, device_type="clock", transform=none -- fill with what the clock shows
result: 7:56
